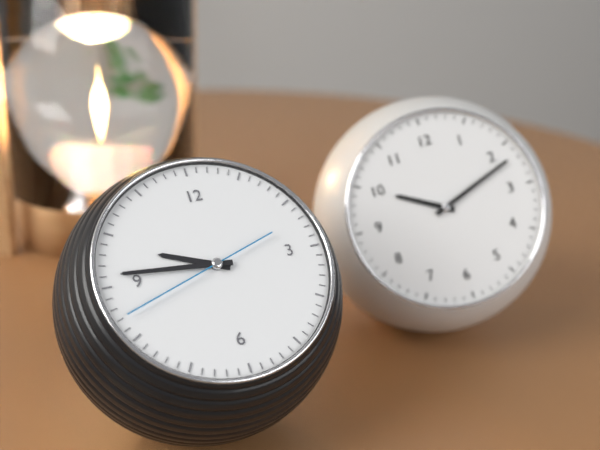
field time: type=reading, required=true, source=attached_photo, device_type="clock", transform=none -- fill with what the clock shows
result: 9:46:42
